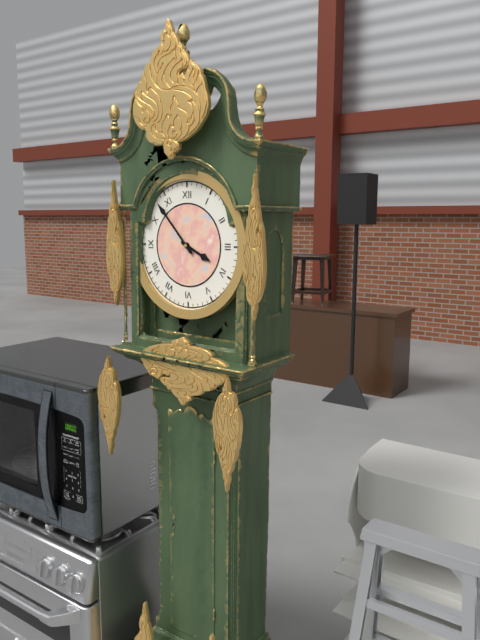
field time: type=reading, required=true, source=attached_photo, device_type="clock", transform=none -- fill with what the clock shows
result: 3:53
